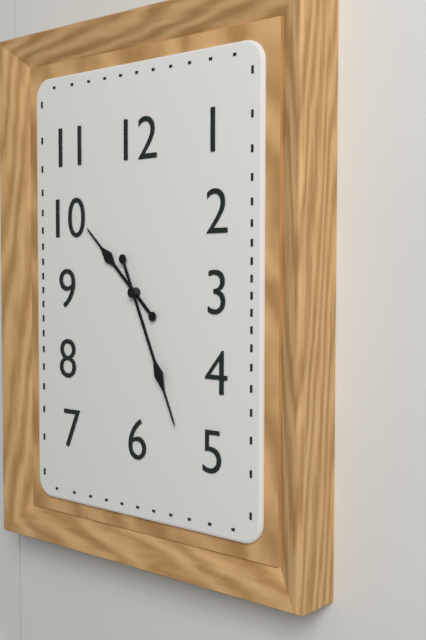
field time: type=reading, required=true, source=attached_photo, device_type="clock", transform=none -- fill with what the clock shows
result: 10:26
